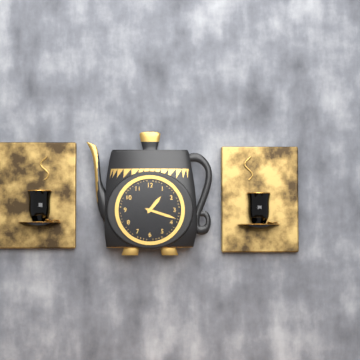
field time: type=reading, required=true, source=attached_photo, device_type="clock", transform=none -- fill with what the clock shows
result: 1:18
